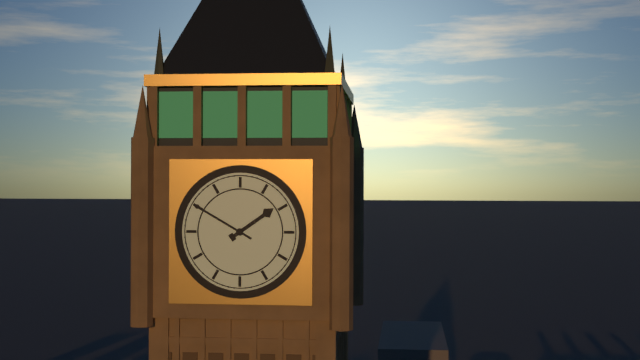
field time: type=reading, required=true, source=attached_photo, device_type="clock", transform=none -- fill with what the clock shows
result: 1:50
